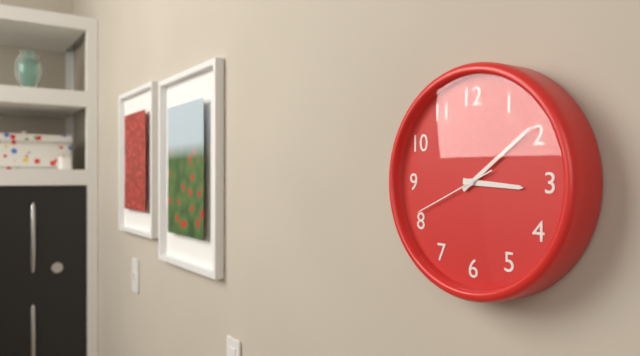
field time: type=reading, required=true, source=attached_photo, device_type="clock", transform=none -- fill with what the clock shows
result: 3:09:41
